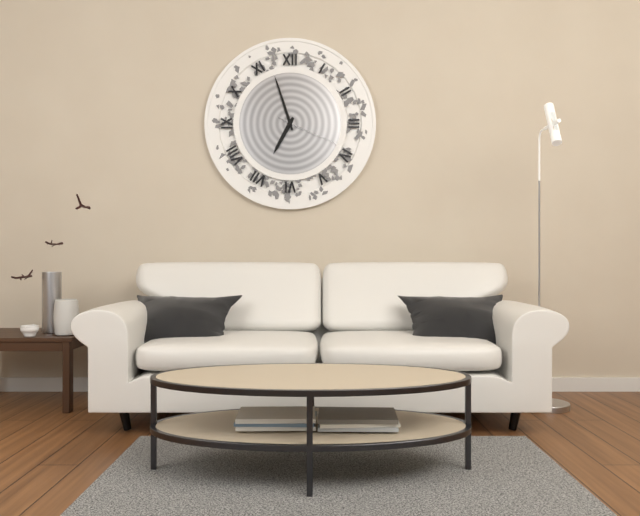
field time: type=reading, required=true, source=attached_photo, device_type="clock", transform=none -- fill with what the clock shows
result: 6:57:19
